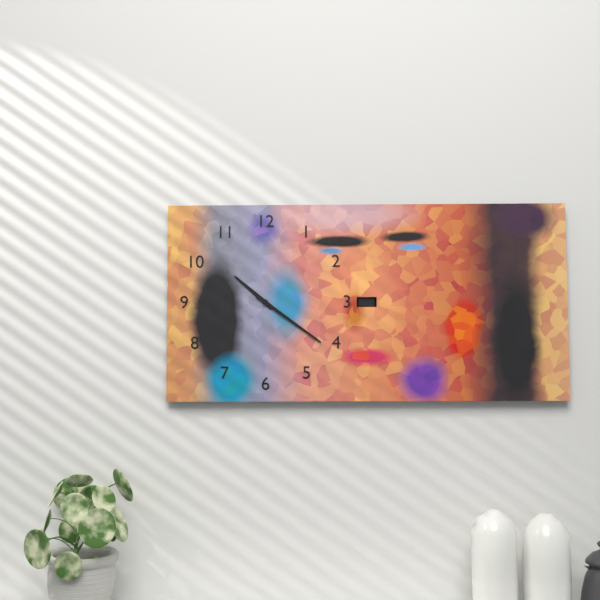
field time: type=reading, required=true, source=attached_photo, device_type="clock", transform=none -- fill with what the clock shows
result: 10:21
